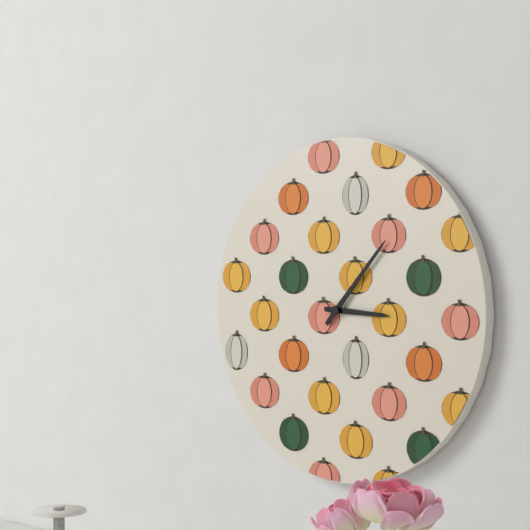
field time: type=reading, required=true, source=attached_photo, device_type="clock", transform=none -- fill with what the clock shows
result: 3:07
